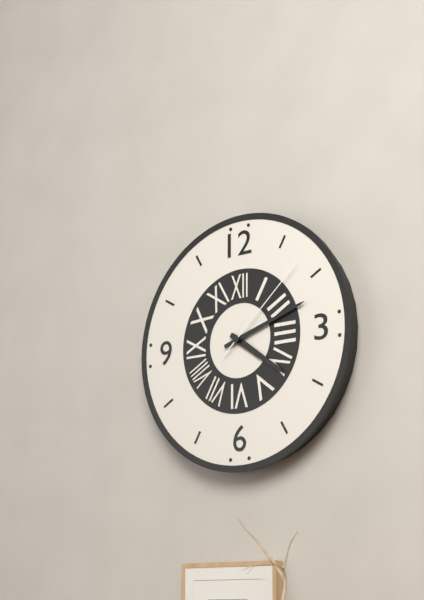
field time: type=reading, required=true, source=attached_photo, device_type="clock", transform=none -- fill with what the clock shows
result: 4:12:08
